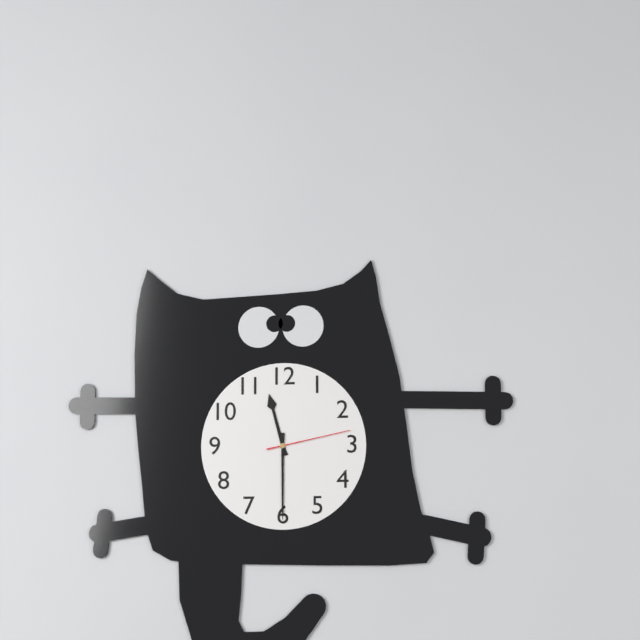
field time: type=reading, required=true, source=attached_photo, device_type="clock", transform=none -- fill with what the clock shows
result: 11:30:13
